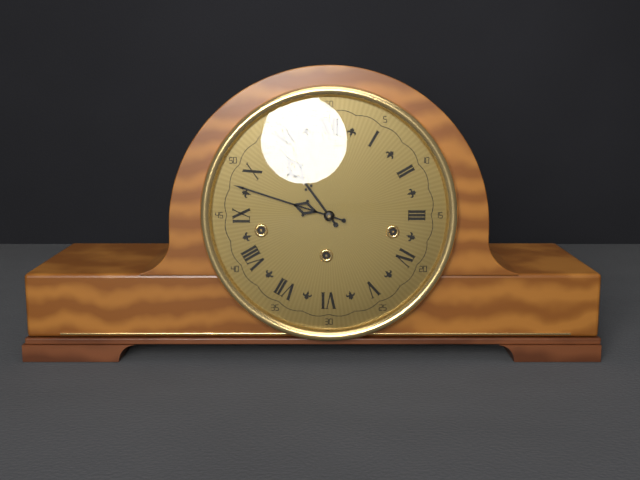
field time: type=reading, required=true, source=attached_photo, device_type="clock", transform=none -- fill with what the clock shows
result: 10:48
